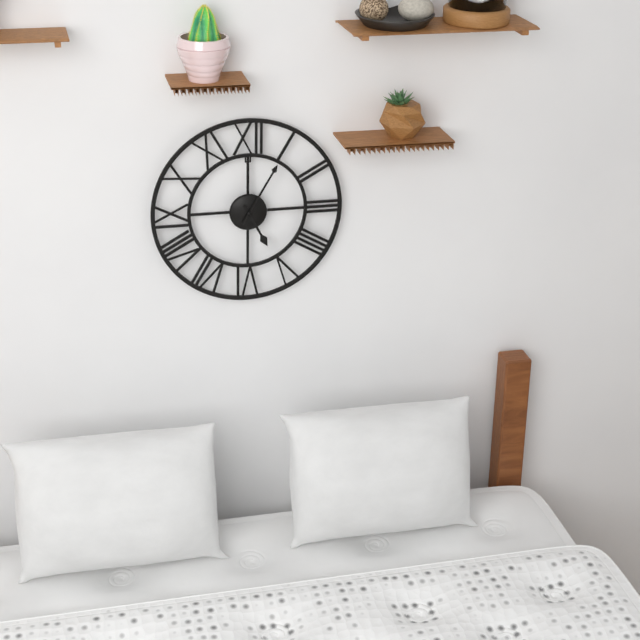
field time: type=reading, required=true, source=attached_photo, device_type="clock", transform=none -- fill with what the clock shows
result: 5:05
